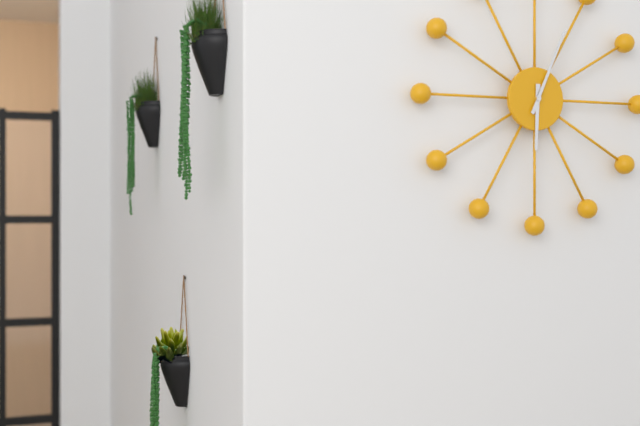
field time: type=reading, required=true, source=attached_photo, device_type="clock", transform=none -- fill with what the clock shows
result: 6:04
